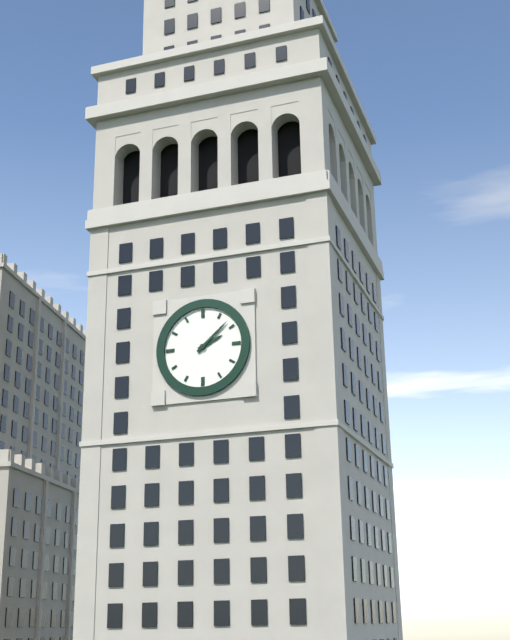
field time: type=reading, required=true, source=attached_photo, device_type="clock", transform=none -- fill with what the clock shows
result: 2:08
